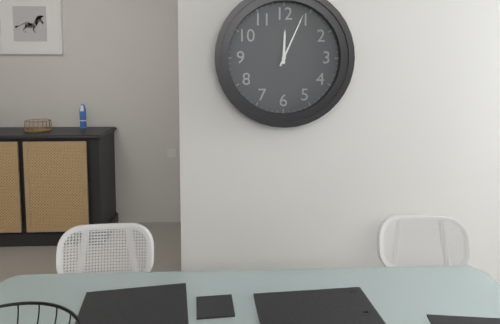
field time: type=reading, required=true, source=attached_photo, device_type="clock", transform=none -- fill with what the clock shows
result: 12:04
